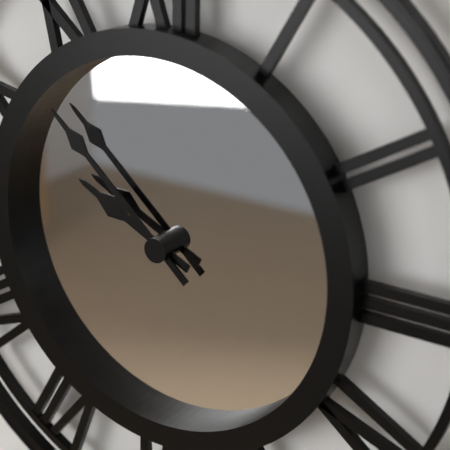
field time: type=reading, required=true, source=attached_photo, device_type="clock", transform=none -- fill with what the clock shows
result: 9:52
